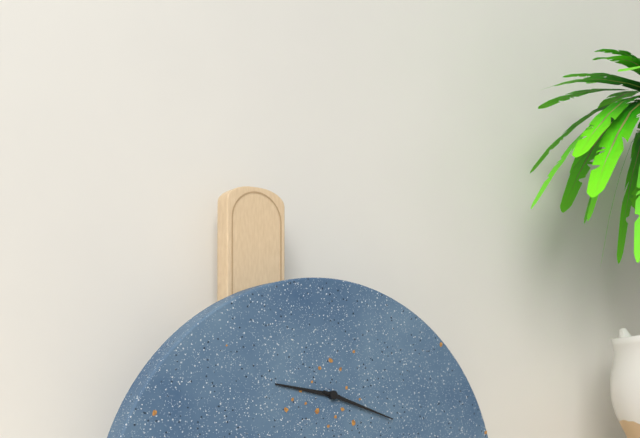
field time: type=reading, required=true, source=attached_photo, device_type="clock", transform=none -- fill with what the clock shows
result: 9:18
